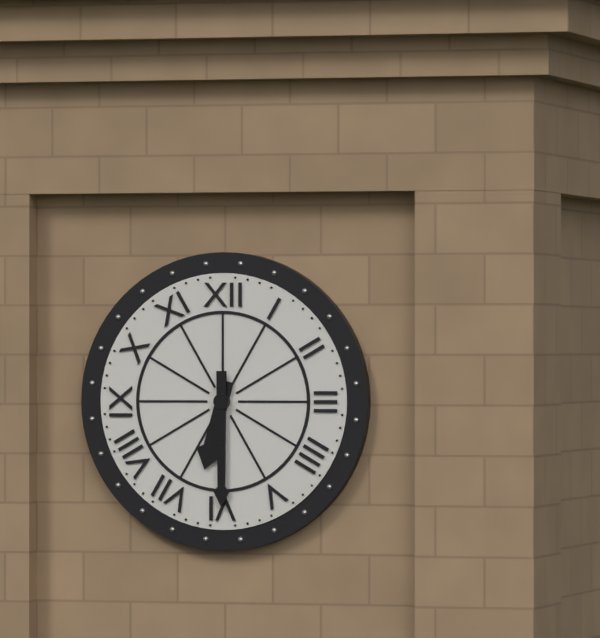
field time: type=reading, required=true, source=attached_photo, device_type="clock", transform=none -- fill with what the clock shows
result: 6:30
